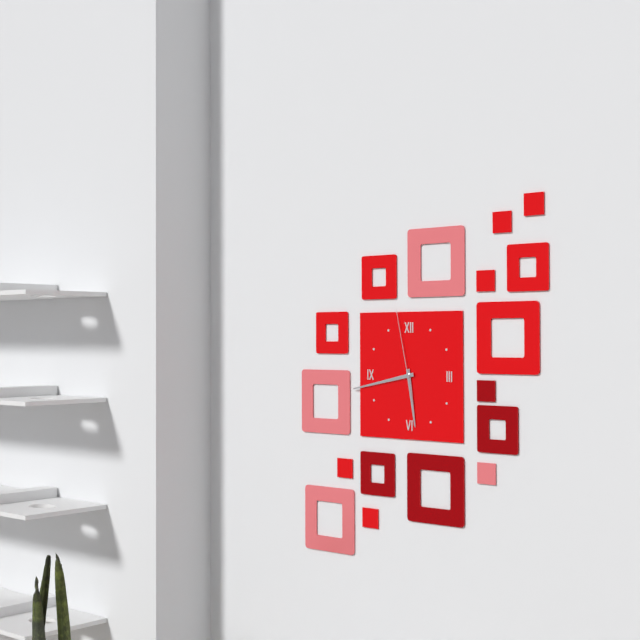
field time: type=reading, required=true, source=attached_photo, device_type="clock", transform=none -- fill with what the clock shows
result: 5:43:58
